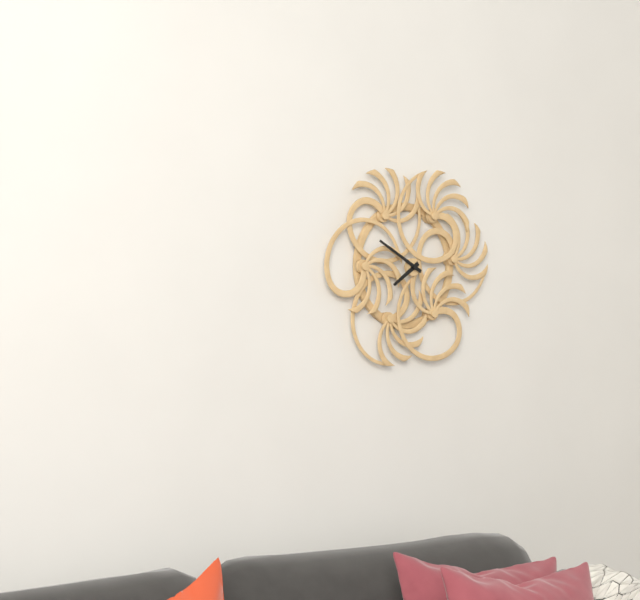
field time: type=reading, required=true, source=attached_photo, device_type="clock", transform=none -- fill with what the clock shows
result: 7:50
